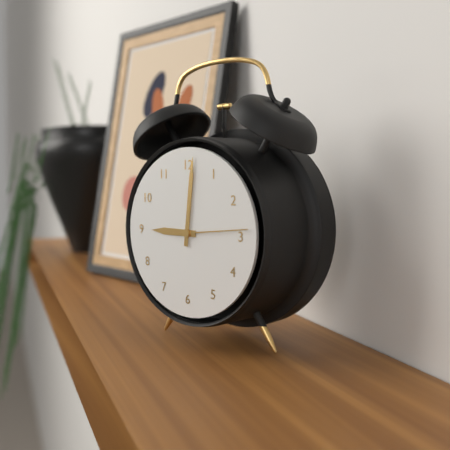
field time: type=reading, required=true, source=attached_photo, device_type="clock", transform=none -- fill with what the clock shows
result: 9:01:14
